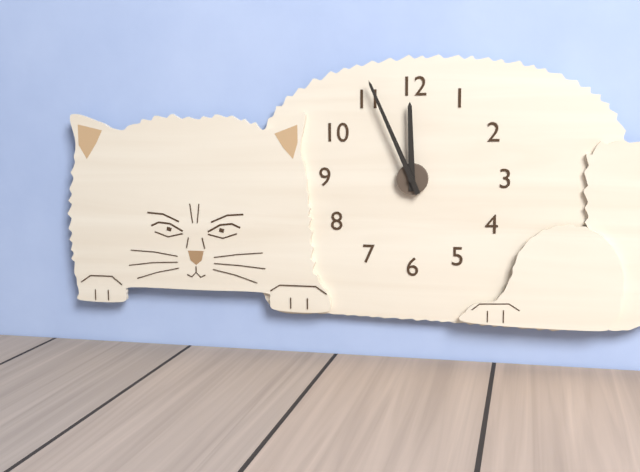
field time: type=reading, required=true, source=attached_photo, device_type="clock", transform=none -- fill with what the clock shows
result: 11:56
